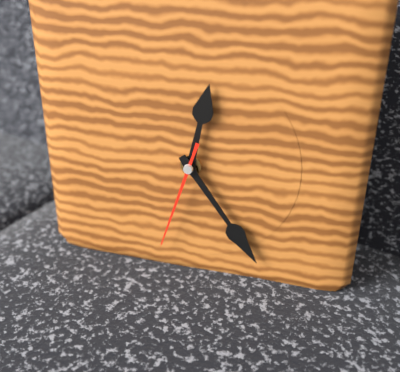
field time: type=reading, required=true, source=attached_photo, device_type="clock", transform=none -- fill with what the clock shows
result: 12:24:33
